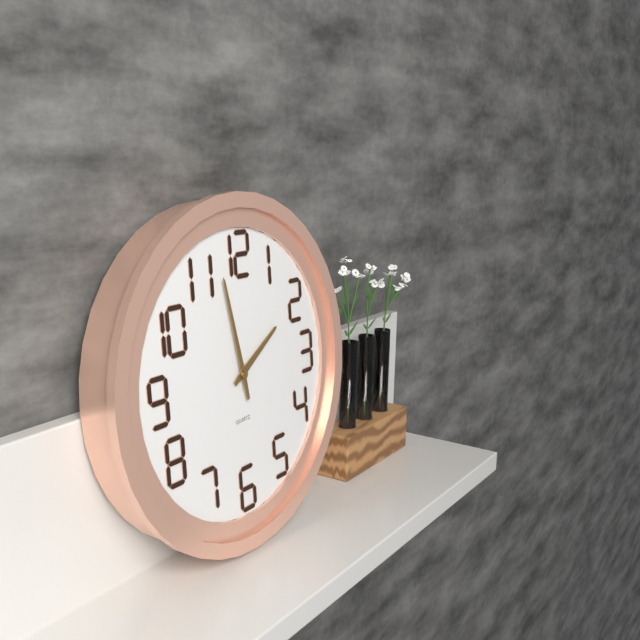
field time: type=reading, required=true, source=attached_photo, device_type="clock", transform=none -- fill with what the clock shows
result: 1:58
